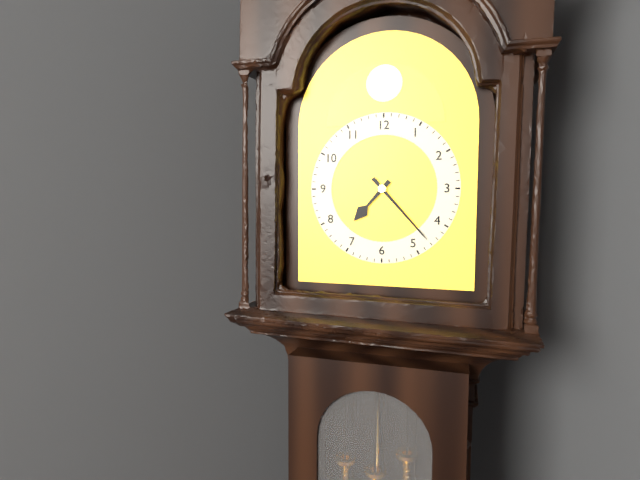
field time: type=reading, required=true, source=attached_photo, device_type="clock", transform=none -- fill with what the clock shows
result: 7:23
